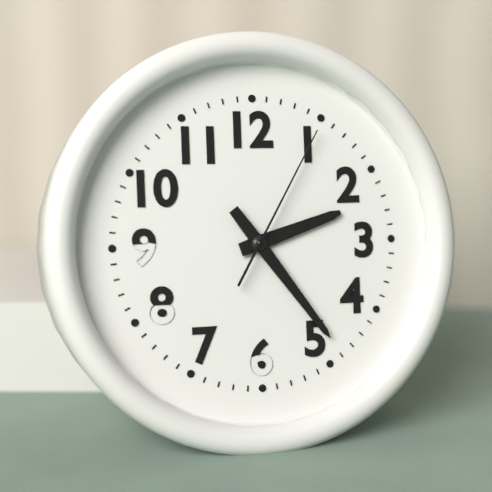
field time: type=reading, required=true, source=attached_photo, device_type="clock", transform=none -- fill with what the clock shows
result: 2:24:05
